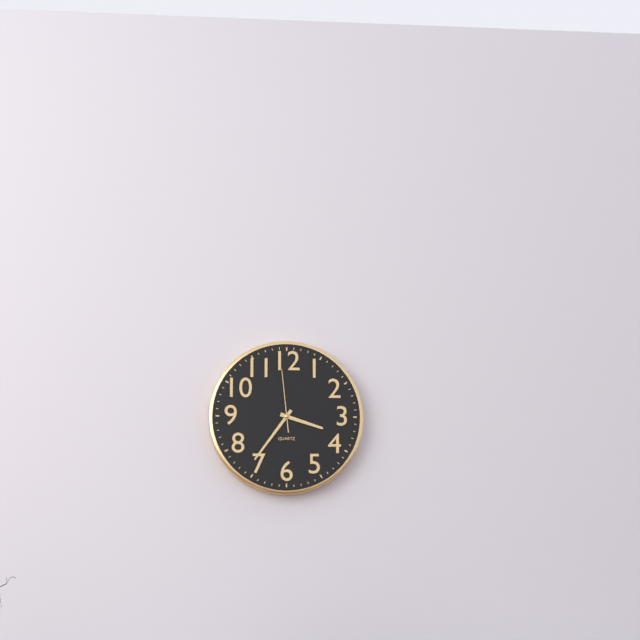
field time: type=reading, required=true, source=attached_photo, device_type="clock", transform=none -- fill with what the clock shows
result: 3:36:59
